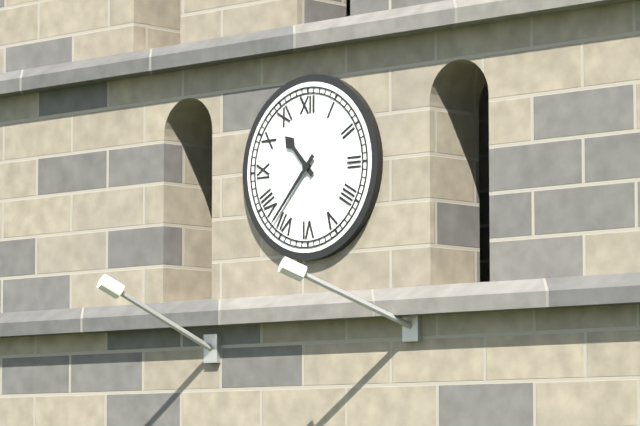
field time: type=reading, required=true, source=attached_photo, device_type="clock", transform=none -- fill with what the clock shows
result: 10:37
